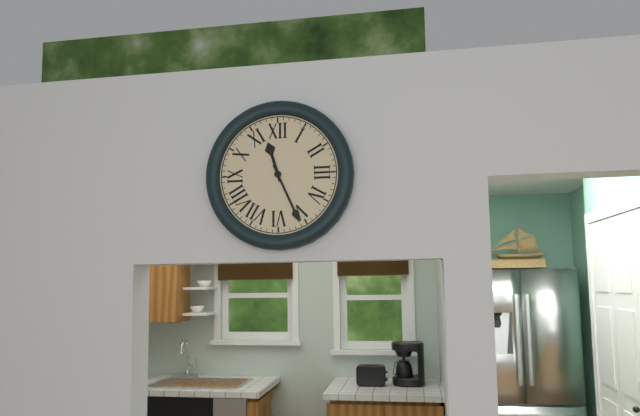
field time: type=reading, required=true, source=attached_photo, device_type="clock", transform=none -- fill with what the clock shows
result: 11:26
